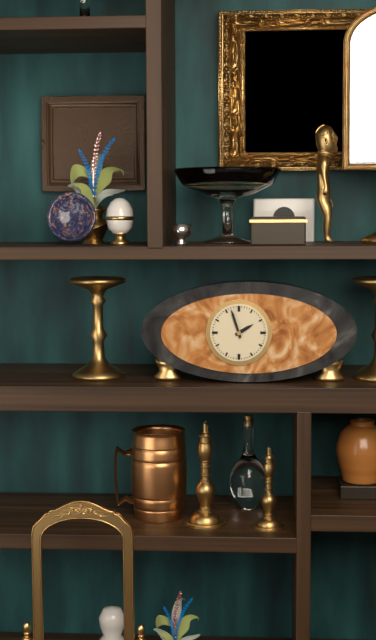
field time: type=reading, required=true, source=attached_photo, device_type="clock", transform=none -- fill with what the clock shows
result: 1:57
